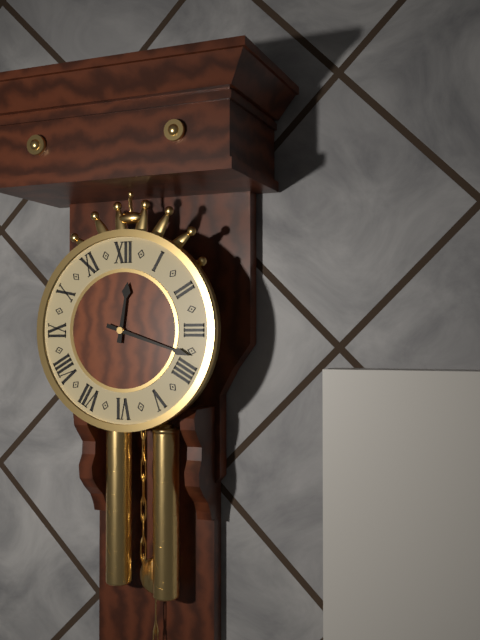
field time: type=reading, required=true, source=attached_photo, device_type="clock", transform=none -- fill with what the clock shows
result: 12:18
